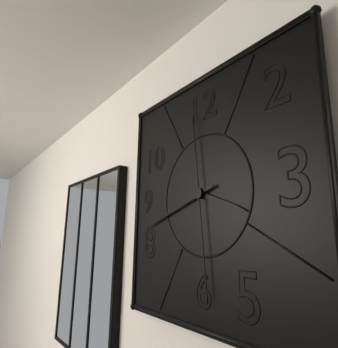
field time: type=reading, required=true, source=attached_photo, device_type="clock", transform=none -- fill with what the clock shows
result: 3:42:29
